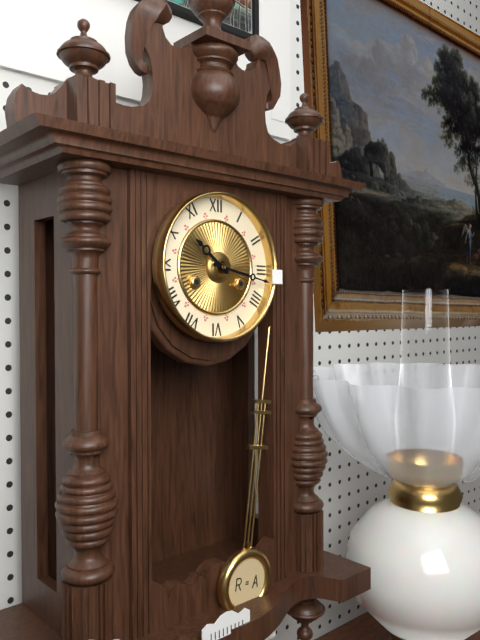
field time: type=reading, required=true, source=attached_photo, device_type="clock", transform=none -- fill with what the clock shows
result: 10:17
